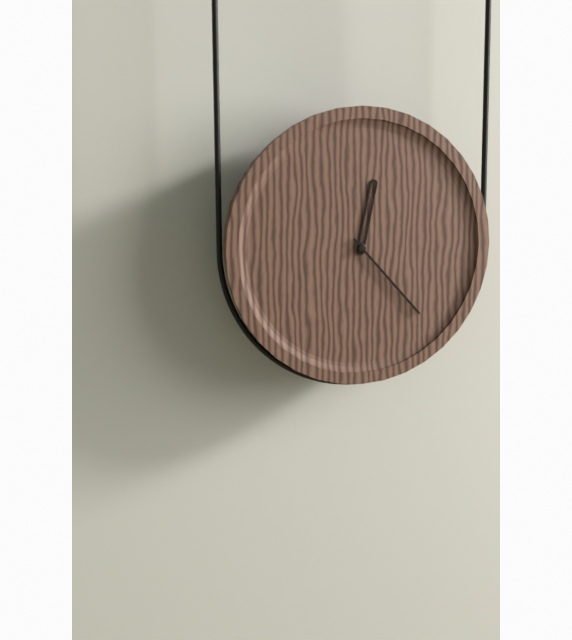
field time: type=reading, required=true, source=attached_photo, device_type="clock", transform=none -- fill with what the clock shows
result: 12:23
